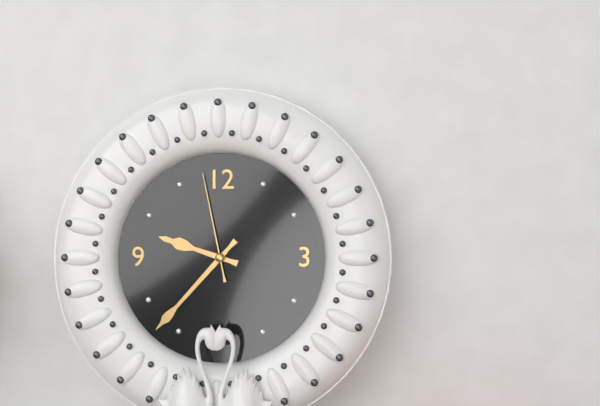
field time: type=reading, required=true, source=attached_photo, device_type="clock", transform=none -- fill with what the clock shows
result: 9:37:58
